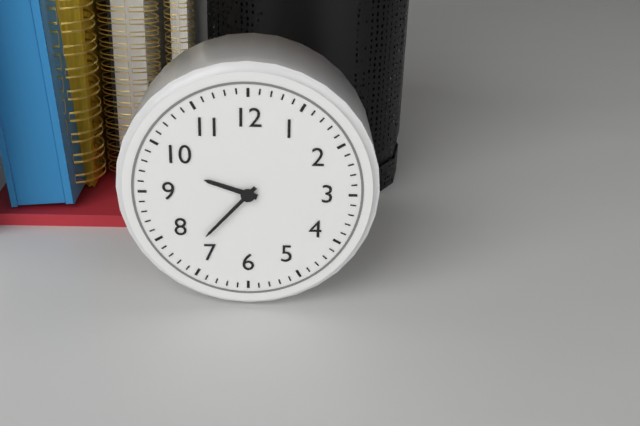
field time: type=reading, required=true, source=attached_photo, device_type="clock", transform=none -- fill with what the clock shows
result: 9:37
